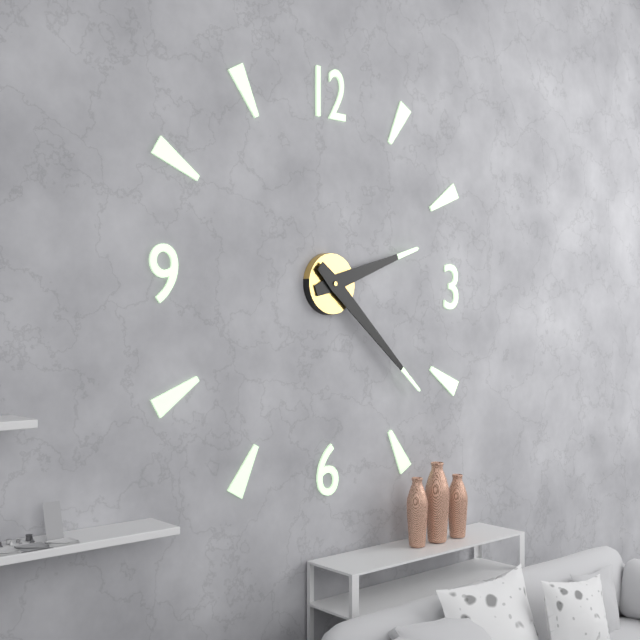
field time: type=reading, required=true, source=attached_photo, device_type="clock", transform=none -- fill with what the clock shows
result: 2:22
